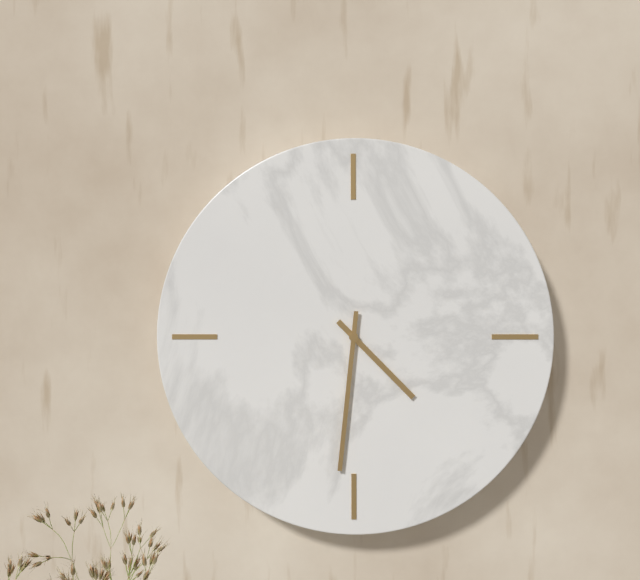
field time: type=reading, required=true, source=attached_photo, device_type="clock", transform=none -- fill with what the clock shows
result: 4:31
